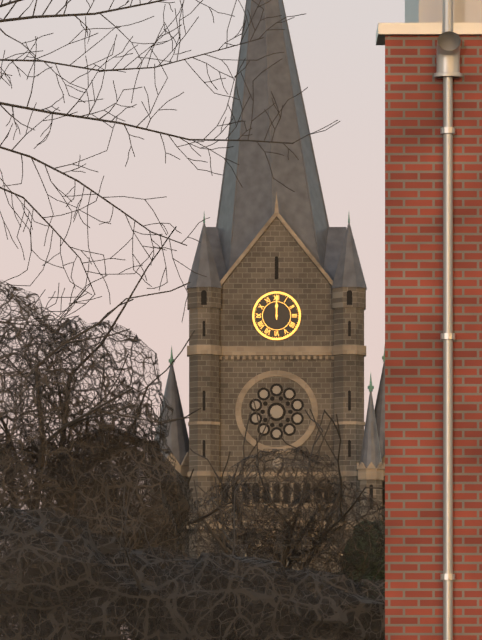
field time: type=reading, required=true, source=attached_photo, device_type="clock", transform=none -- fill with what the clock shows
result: 12:00
